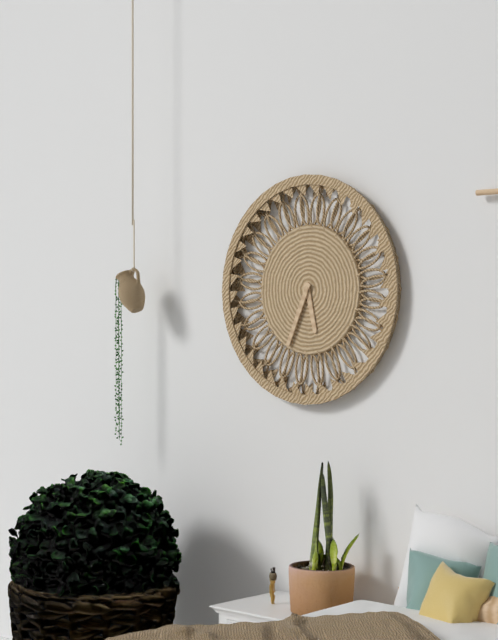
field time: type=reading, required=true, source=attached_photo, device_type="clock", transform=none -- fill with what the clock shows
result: 5:34
